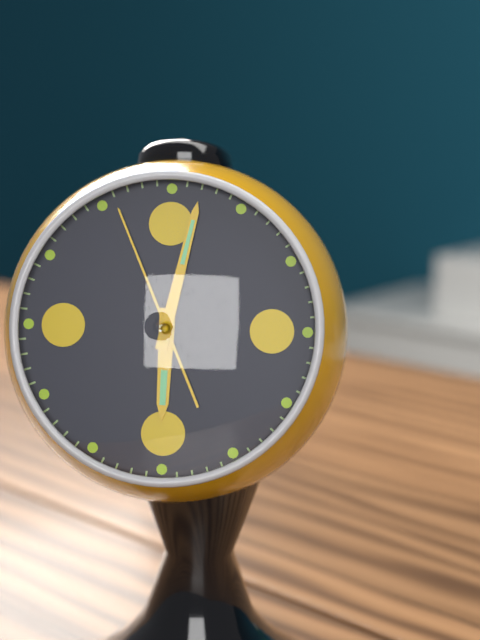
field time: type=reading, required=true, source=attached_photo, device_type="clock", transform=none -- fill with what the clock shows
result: 6:02:56
